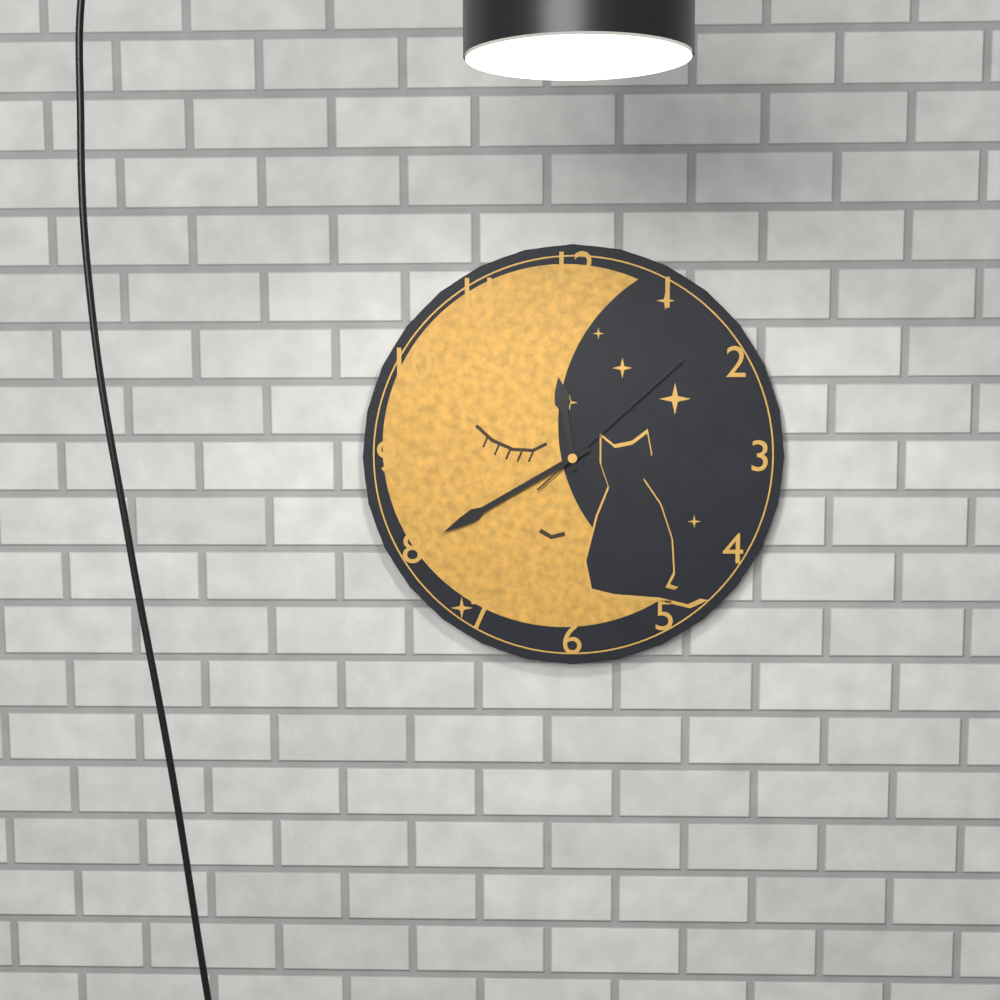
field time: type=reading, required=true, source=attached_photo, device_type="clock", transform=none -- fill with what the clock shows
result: 11:40:08
